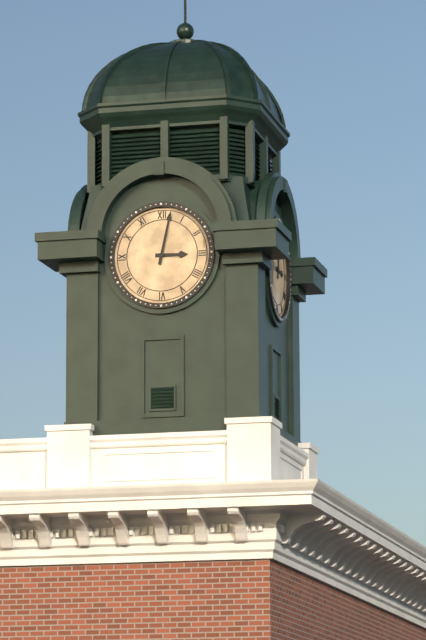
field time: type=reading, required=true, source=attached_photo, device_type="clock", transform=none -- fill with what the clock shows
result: 3:02
